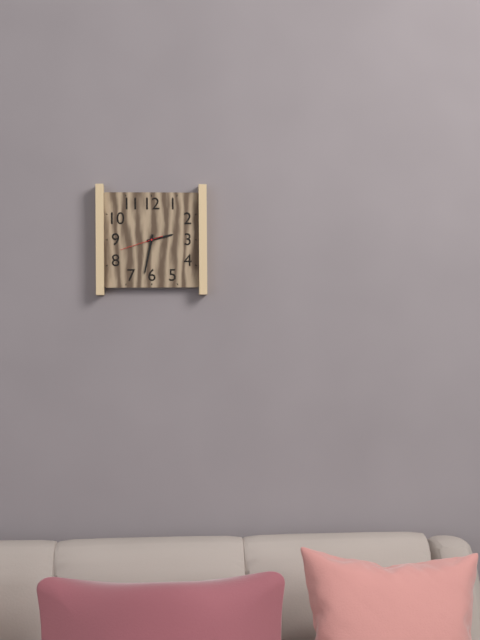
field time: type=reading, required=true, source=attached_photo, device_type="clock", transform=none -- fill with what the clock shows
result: 2:32
